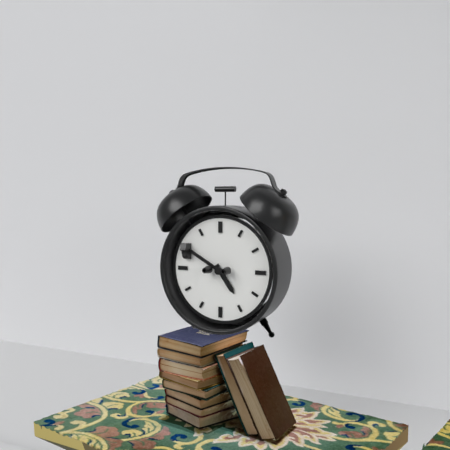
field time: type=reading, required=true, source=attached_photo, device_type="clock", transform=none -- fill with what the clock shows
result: 4:50
